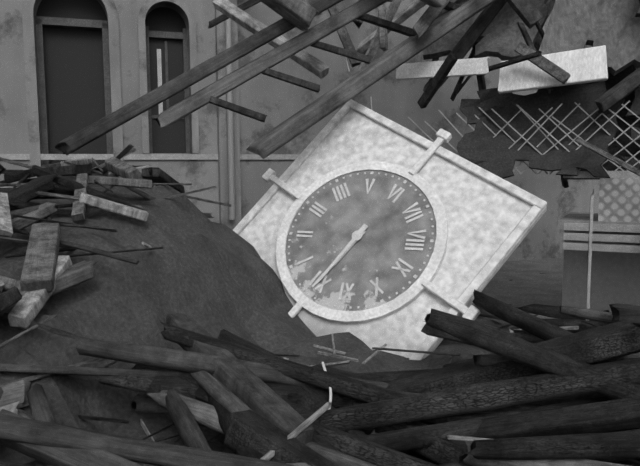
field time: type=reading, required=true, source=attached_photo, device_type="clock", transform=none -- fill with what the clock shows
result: 12:00
